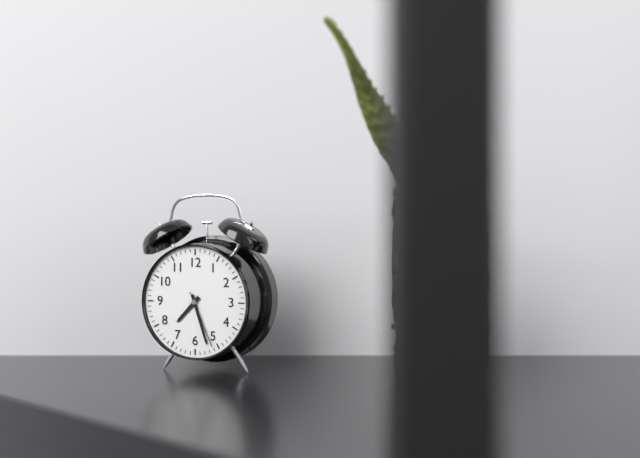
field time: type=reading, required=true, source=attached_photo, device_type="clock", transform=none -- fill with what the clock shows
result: 7:27:26
